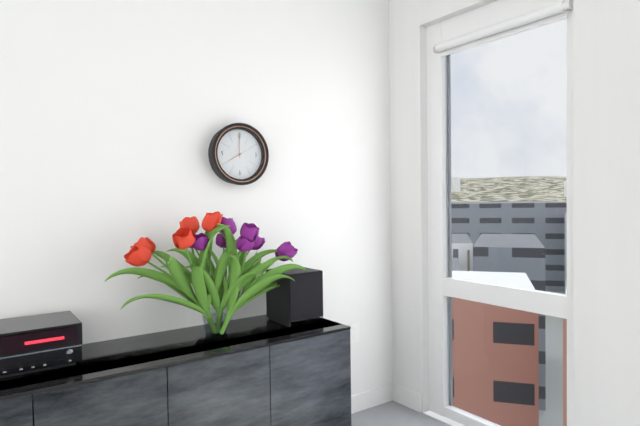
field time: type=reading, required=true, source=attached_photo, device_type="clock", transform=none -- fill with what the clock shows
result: 8:00
